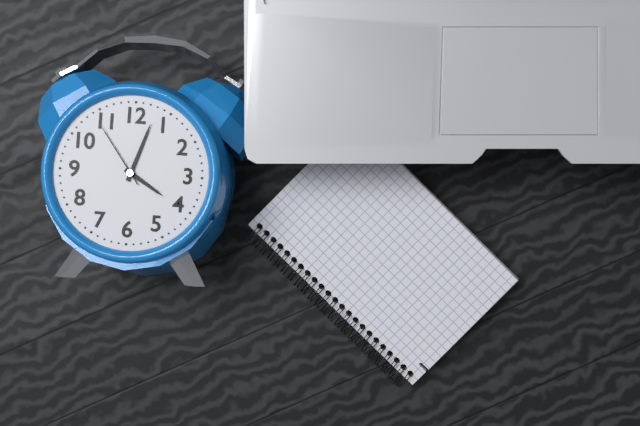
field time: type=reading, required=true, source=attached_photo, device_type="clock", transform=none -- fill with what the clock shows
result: 4:03:54
